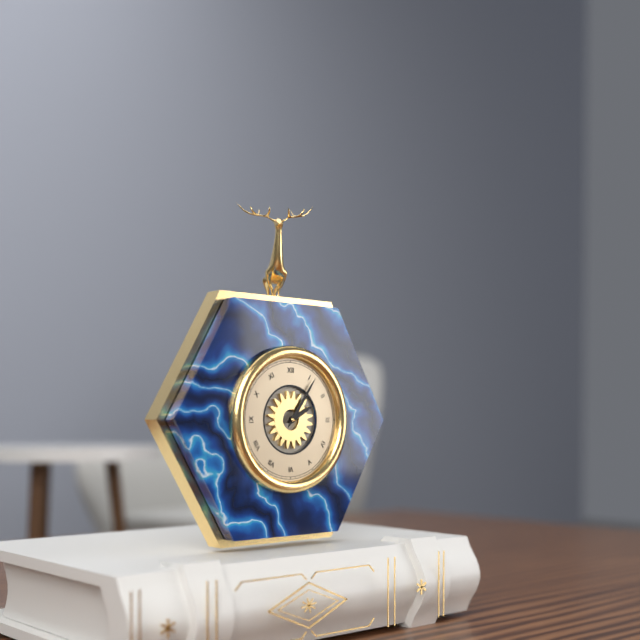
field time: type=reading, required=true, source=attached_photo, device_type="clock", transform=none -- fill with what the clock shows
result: 2:06
